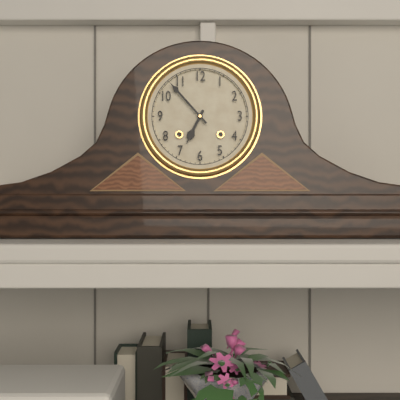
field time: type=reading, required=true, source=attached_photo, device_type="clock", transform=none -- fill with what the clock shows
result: 6:53
